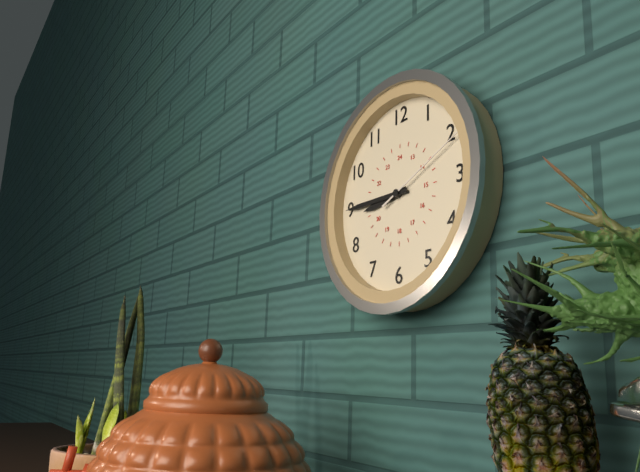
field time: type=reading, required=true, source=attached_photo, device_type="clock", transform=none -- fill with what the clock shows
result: 8:45:11
